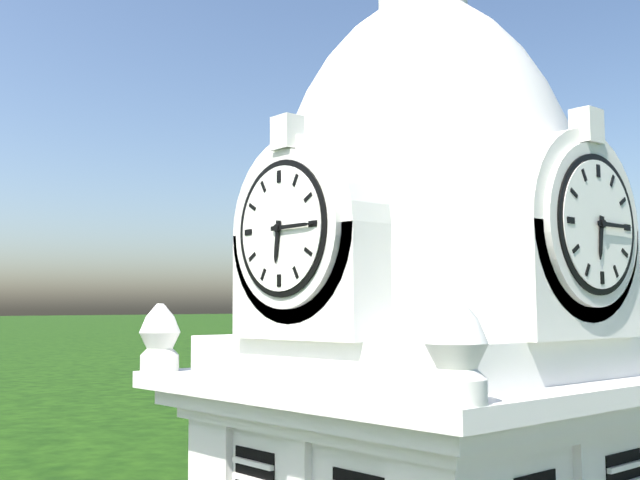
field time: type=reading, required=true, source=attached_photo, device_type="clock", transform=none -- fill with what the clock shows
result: 6:15
